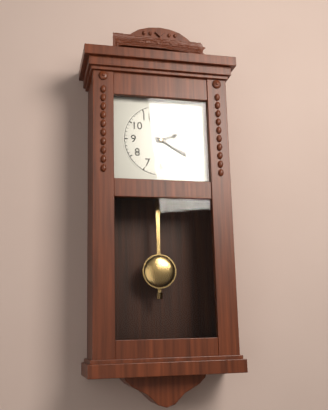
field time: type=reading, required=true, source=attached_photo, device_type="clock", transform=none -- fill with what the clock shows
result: 2:20
